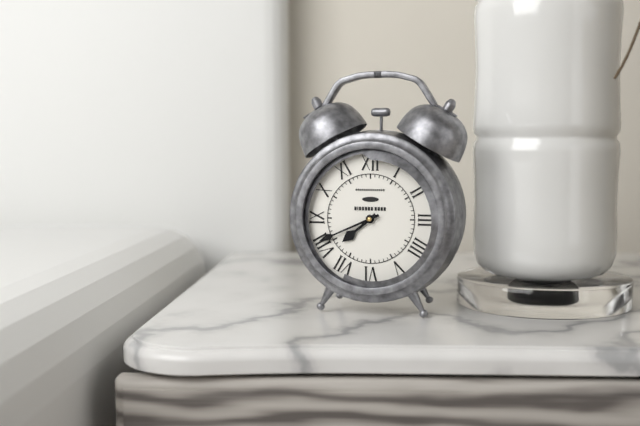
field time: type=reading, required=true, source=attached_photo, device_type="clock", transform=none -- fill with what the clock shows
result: 7:41
